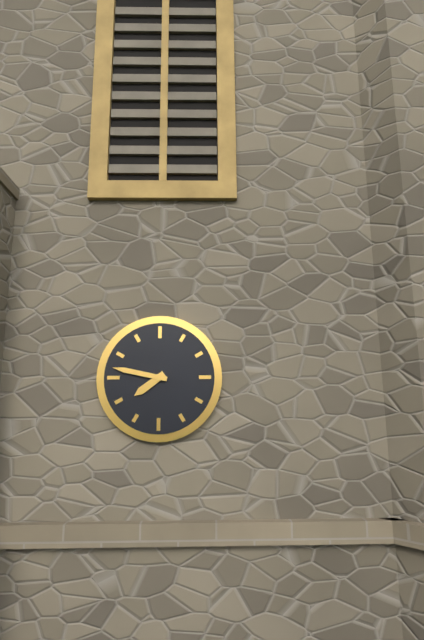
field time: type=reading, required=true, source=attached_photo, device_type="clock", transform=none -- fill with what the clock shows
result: 7:47
